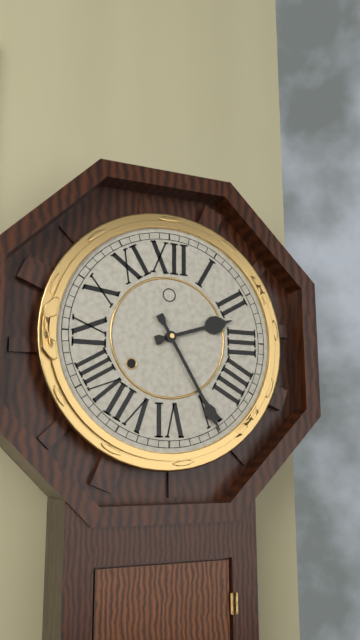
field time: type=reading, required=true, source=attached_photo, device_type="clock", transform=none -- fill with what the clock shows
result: 2:25
